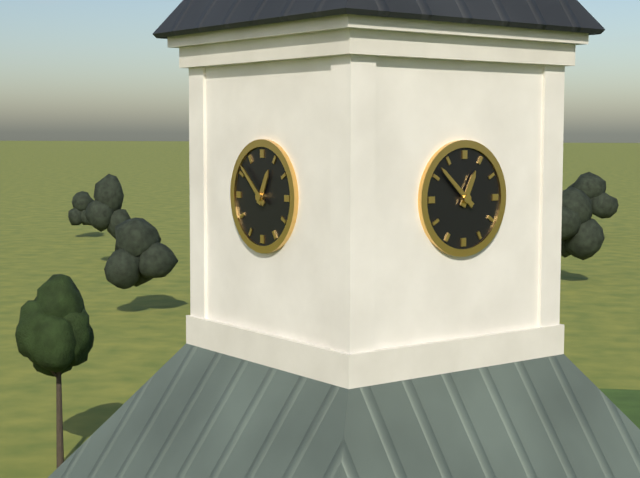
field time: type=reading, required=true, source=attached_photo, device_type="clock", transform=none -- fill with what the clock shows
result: 12:52
